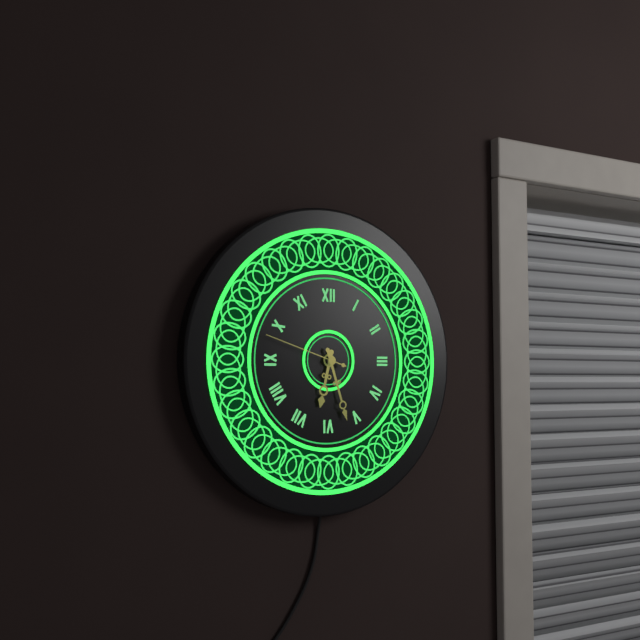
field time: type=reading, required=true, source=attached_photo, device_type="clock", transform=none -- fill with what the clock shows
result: 6:27:48
